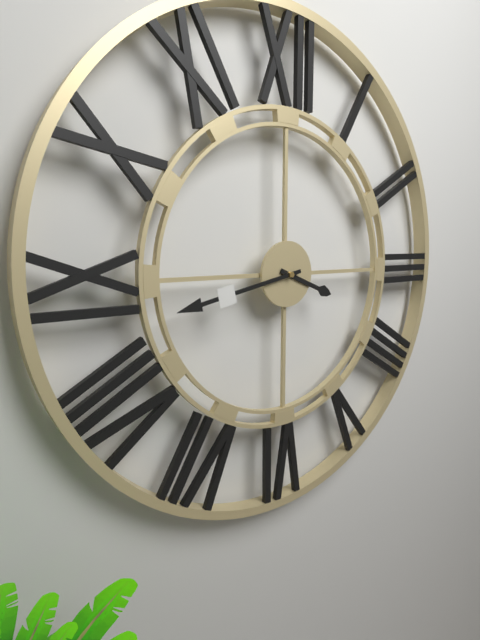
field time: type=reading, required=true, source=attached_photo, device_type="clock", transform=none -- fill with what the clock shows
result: 3:43
